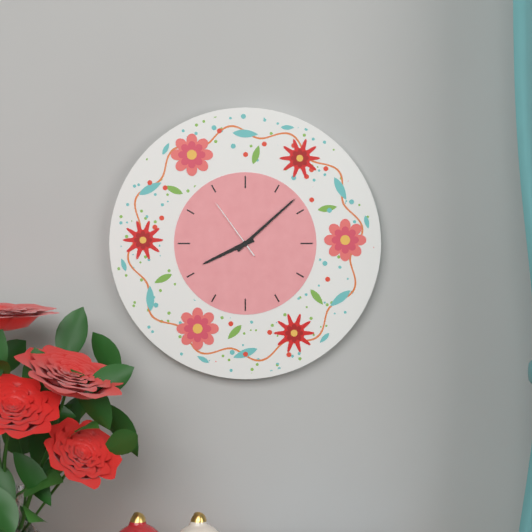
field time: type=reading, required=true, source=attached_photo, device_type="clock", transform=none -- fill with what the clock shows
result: 8:08:54
